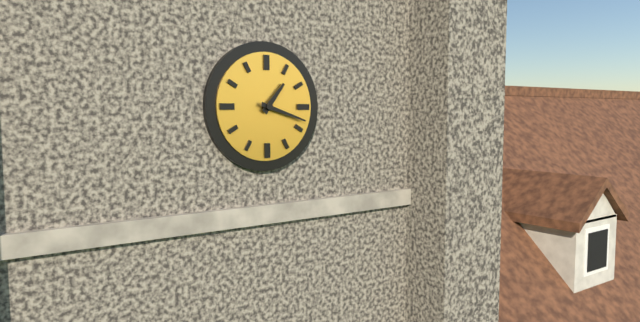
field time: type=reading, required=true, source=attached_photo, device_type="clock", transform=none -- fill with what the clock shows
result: 1:18
